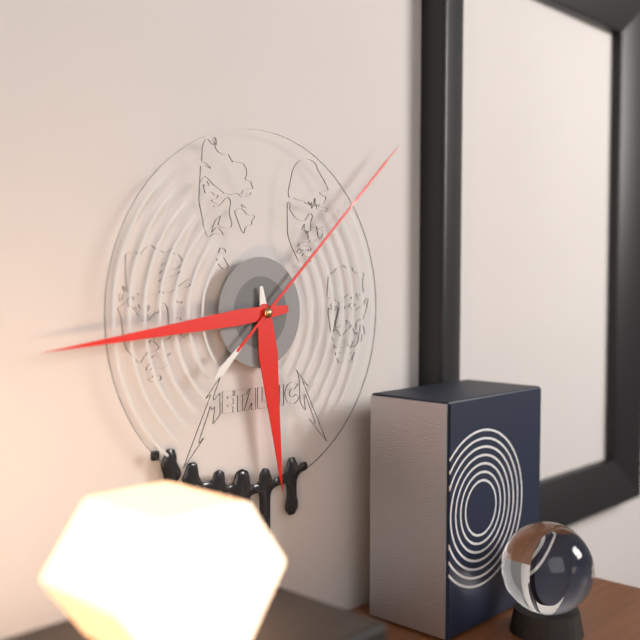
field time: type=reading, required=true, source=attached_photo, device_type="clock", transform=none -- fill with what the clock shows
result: 5:44:08
